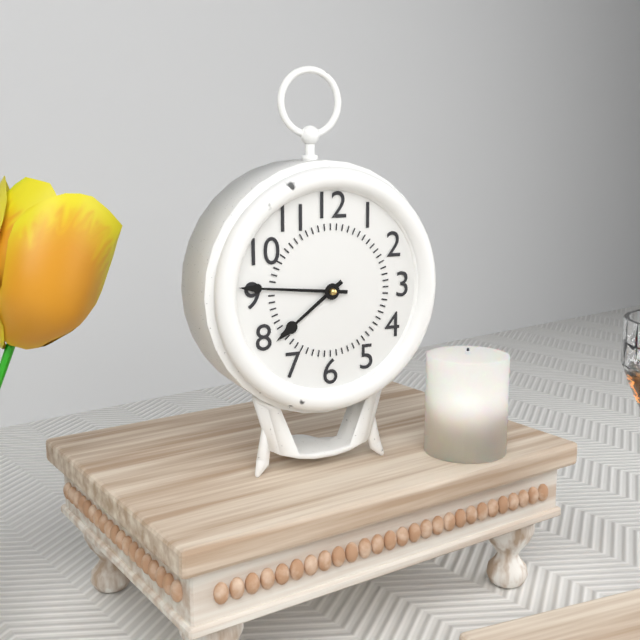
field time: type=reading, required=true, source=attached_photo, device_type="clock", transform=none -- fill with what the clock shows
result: 7:46
